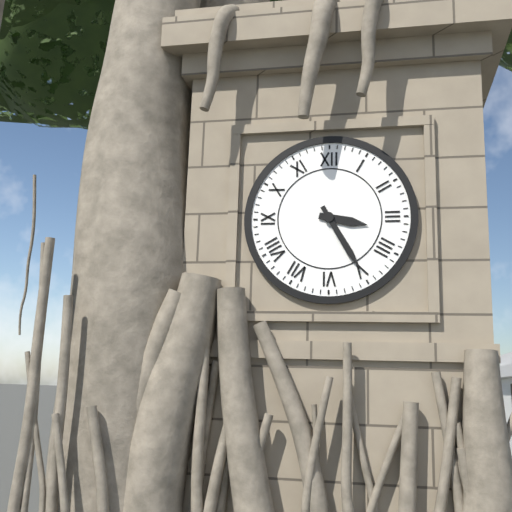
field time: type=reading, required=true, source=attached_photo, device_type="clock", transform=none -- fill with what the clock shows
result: 3:25
